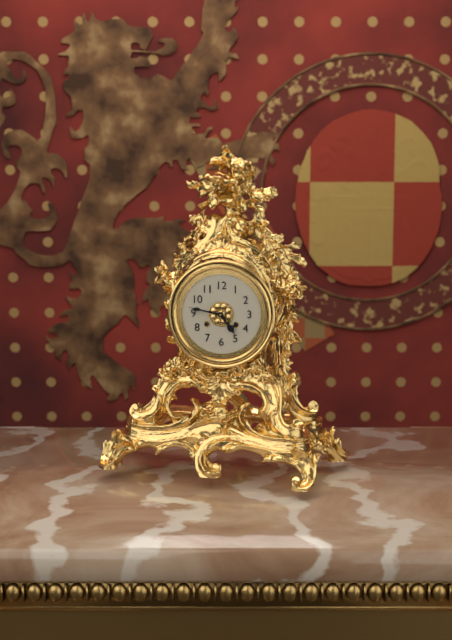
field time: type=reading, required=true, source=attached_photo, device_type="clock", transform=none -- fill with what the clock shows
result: 4:47
